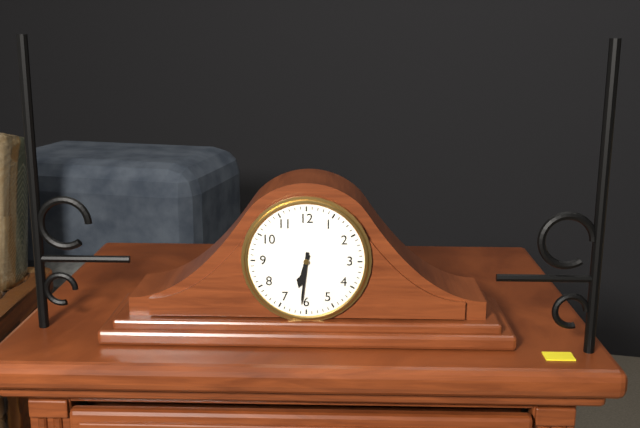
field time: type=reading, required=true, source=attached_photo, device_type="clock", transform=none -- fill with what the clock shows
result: 6:31
